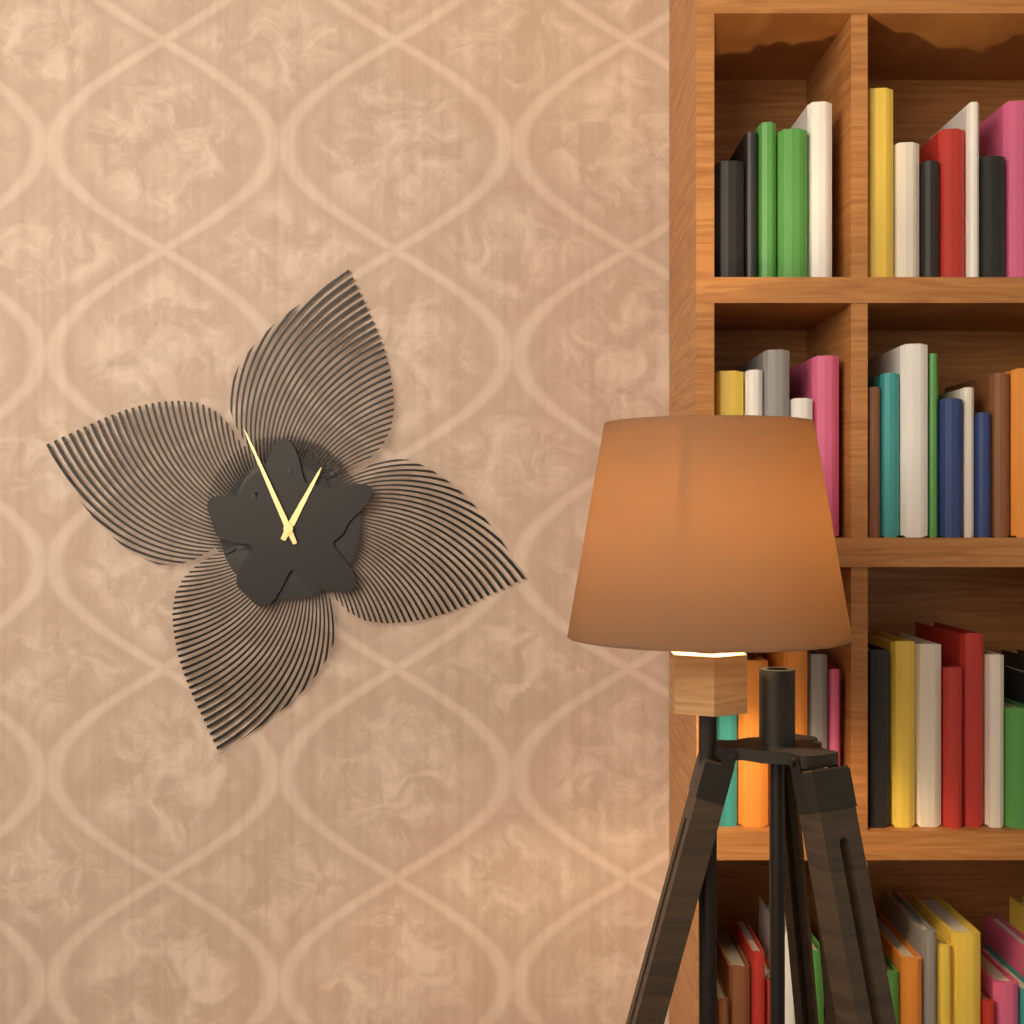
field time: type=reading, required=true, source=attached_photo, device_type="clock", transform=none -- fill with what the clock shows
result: 12:56
